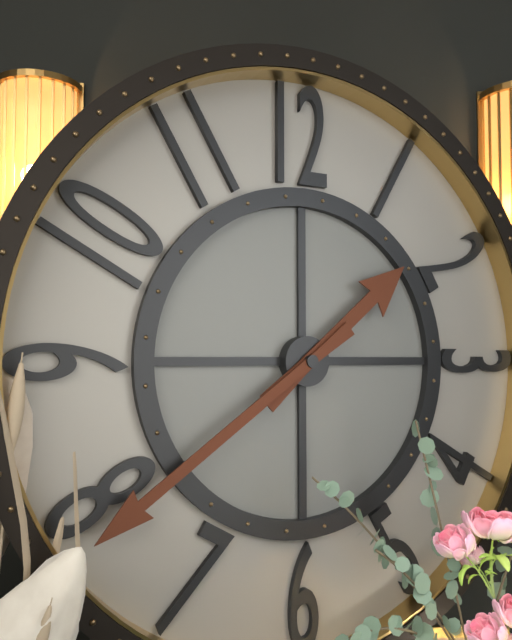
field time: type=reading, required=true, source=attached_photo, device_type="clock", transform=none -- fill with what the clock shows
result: 1:39
